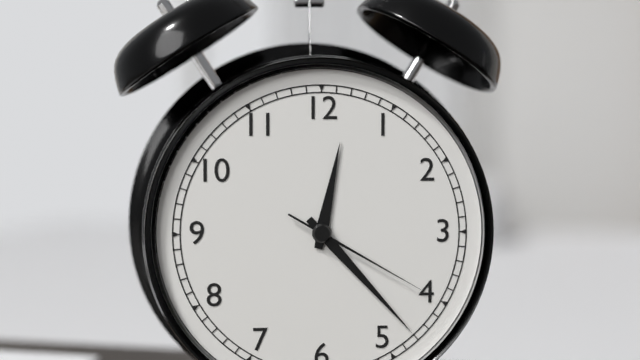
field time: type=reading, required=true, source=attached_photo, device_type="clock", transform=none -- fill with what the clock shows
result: 12:23:20
